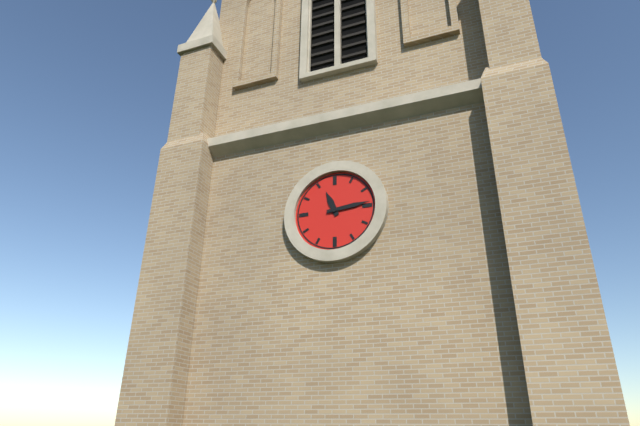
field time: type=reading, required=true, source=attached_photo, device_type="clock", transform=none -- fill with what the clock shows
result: 11:14
